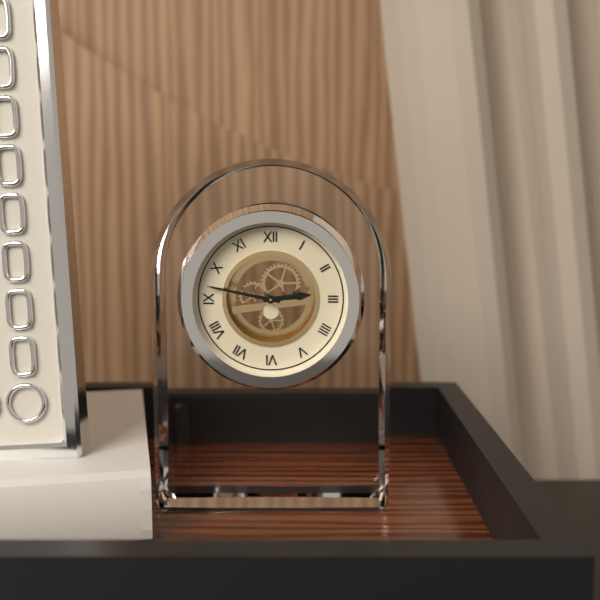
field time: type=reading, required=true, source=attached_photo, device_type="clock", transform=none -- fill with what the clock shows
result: 2:47
